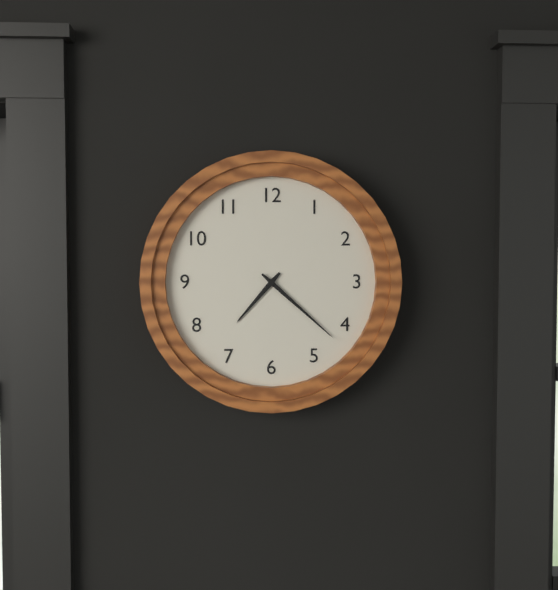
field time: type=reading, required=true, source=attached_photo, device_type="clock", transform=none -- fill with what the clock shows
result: 7:22
